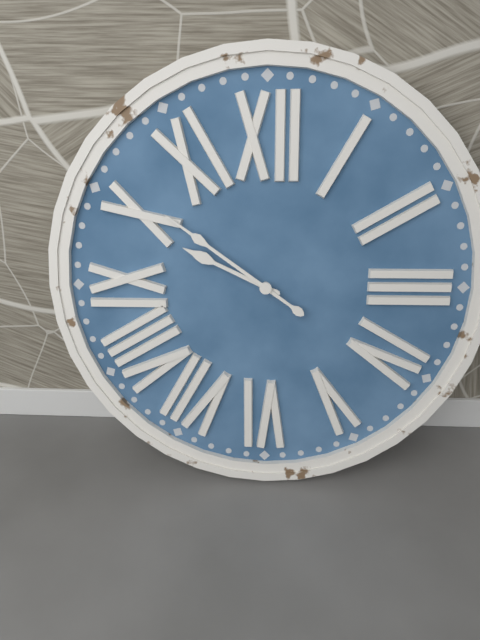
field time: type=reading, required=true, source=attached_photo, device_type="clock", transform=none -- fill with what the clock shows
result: 9:51
